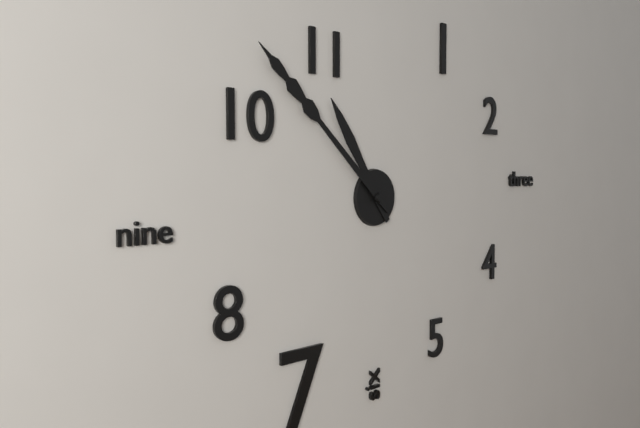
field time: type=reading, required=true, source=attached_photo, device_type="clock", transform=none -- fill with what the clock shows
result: 10:52
